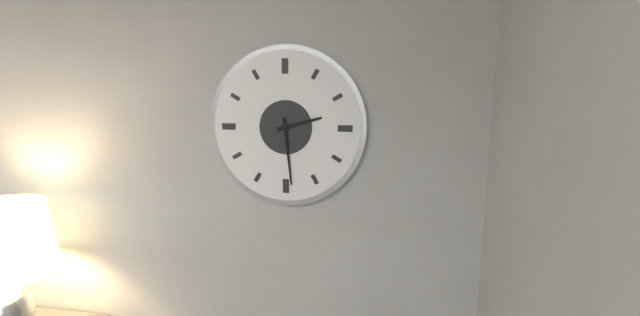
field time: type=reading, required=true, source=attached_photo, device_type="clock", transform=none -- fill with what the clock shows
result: 2:29
